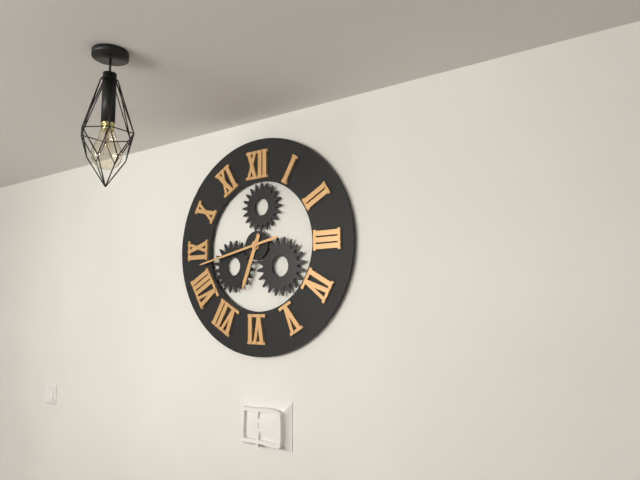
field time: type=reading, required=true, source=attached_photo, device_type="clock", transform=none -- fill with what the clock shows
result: 6:43
